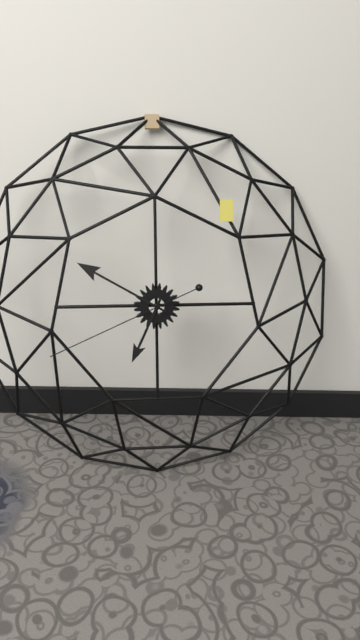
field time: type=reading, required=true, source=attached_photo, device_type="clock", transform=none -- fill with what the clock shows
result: 6:50:41
